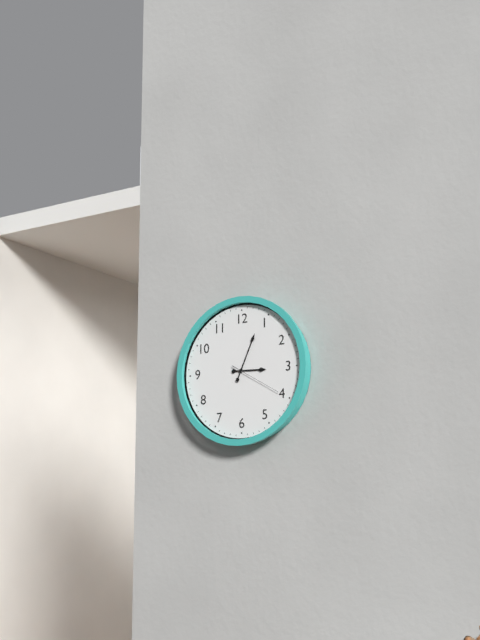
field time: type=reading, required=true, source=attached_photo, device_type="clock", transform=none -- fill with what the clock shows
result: 3:04:20
